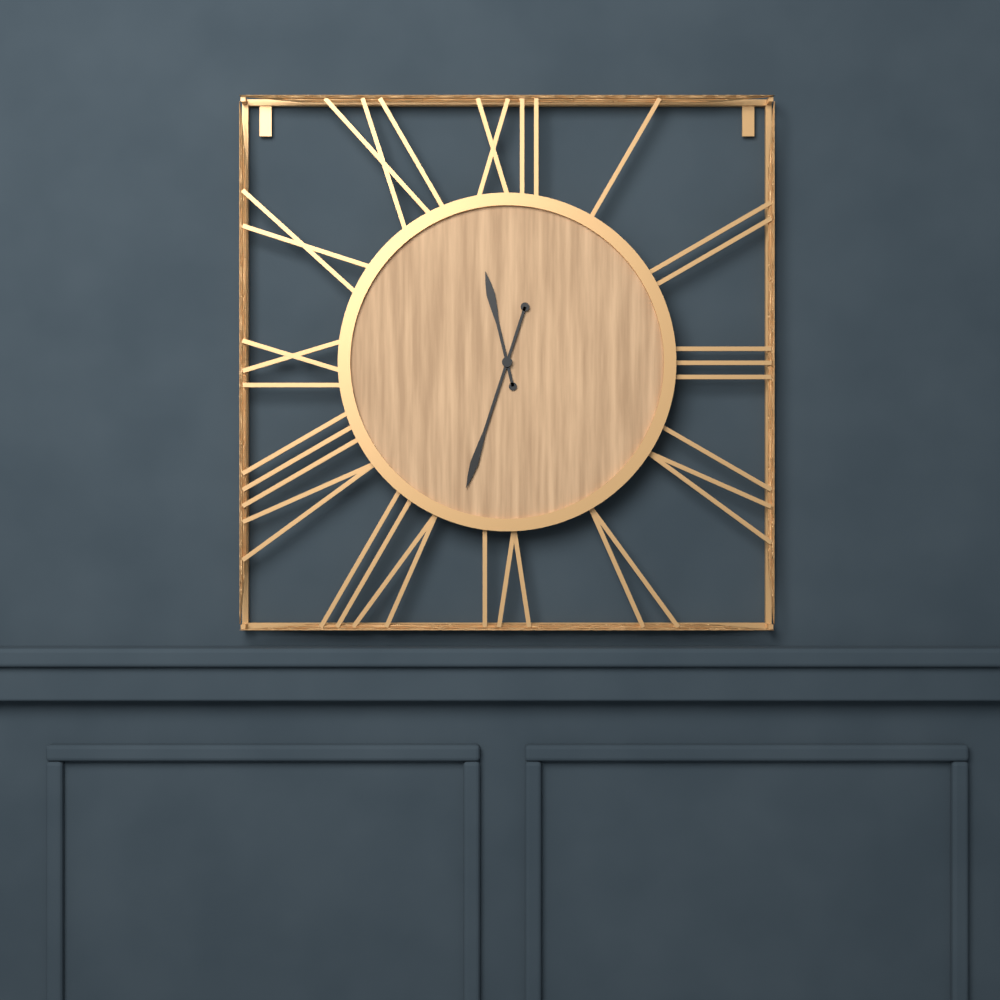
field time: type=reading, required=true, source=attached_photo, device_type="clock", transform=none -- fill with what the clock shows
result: 11:33
